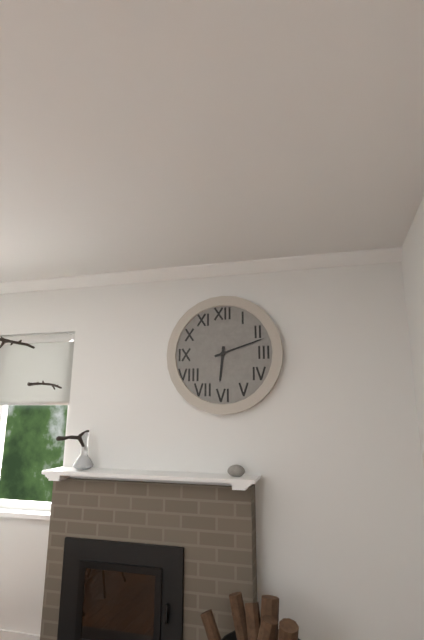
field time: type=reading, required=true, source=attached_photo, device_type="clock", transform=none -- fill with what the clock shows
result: 6:12
